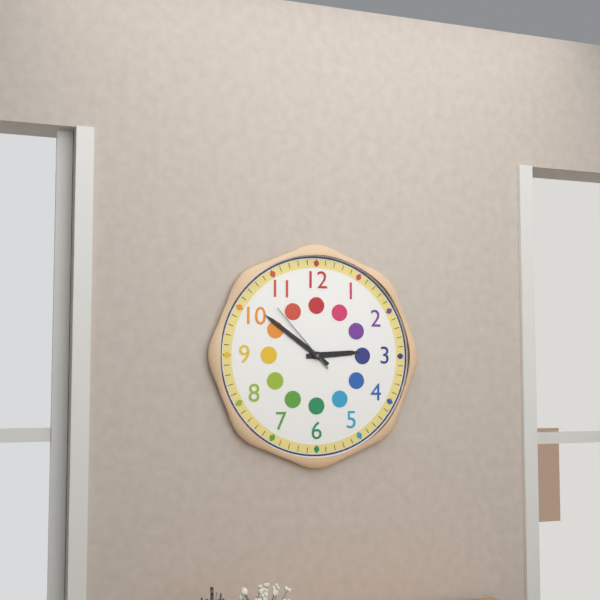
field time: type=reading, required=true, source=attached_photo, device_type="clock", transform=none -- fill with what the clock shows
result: 2:51:53
